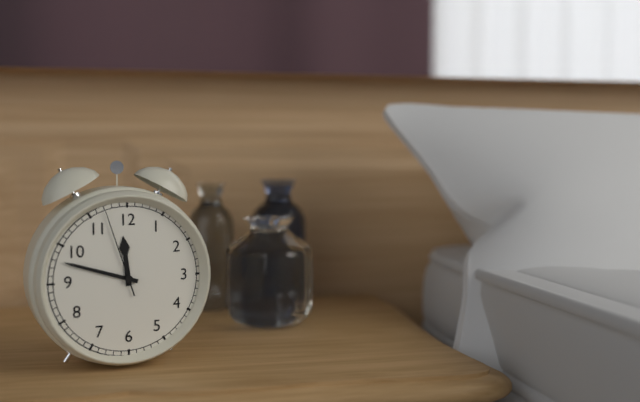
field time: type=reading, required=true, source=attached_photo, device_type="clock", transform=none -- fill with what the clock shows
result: 11:48:57
